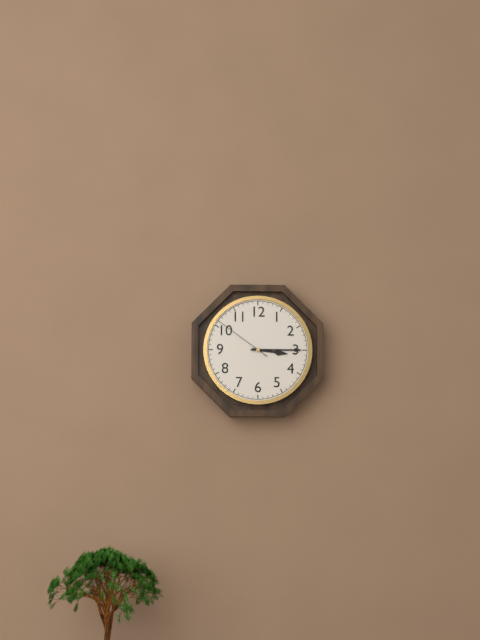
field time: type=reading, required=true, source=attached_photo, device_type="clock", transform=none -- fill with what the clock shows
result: 3:15:51
